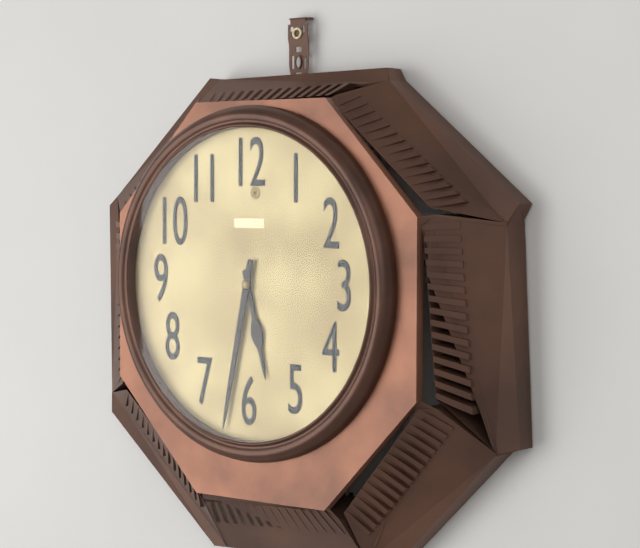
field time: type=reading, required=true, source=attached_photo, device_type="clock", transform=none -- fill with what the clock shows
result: 5:32
